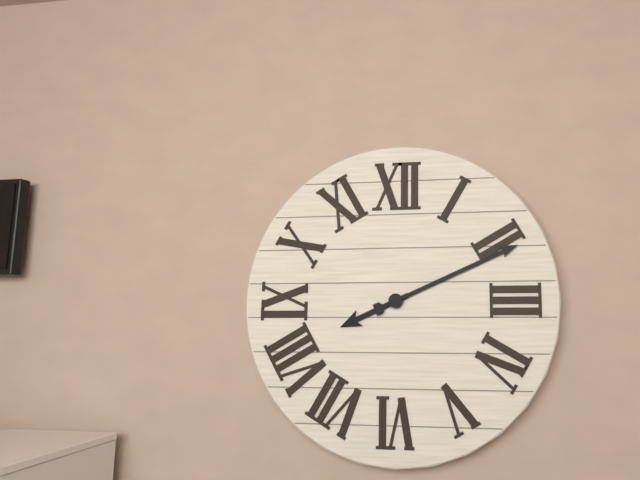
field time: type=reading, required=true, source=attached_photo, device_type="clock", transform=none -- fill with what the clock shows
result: 8:11
